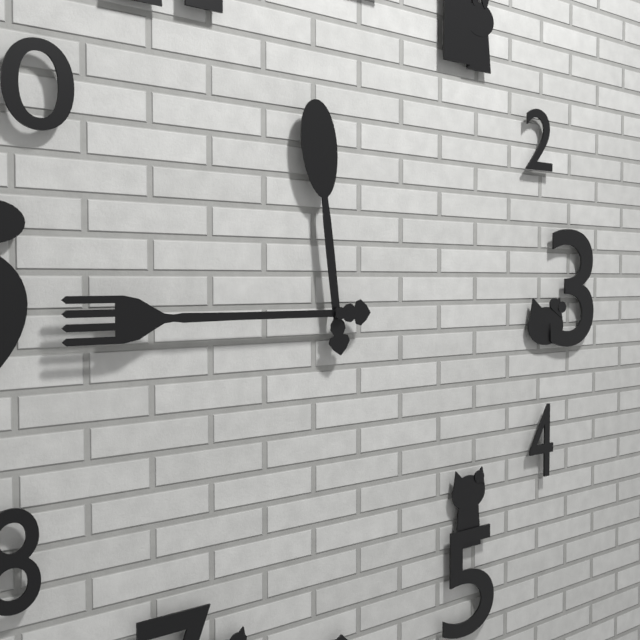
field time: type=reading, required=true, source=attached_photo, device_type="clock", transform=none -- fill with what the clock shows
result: 11:45
